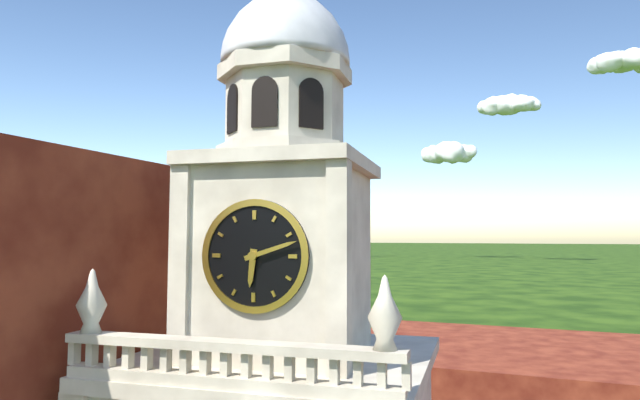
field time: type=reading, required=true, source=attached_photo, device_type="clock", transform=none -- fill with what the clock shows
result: 6:12
